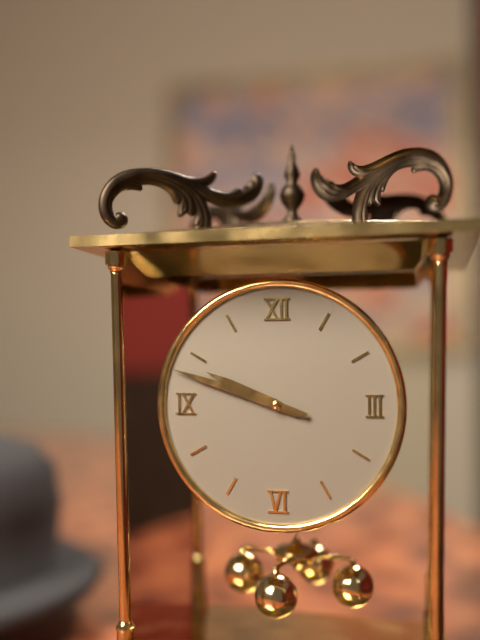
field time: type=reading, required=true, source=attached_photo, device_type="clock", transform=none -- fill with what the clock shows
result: 9:48
